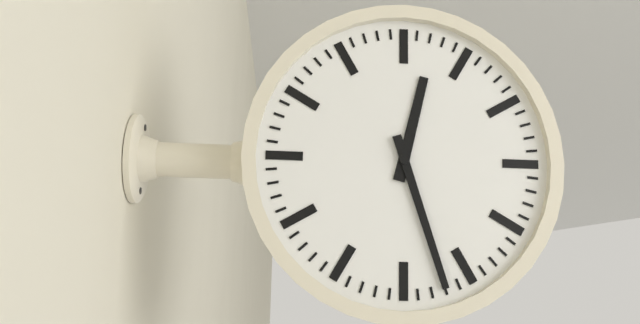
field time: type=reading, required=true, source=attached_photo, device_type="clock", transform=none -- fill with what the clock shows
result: 12:27
